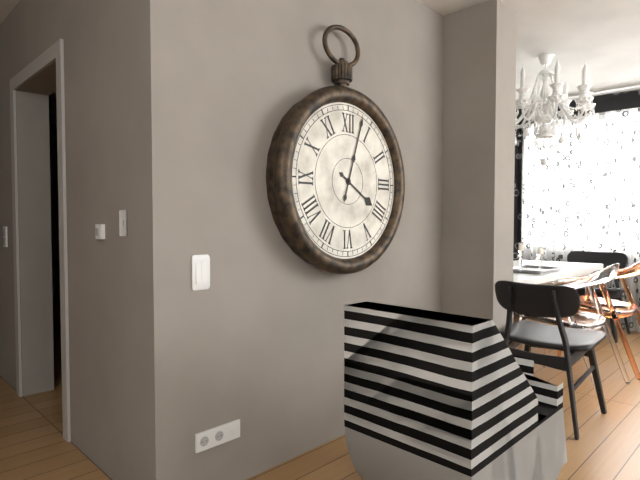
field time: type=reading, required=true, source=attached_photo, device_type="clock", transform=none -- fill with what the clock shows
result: 4:03
